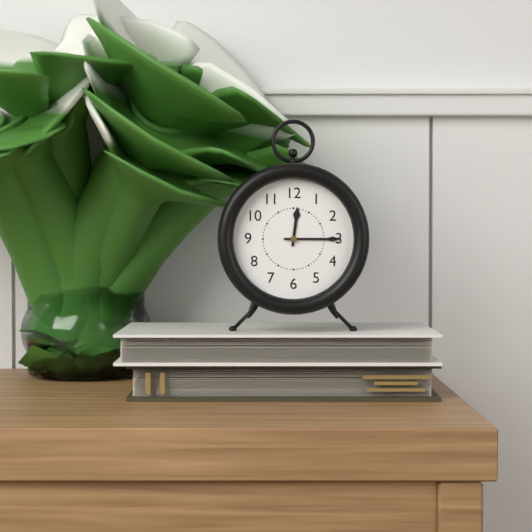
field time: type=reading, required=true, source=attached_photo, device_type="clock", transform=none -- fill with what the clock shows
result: 12:15
